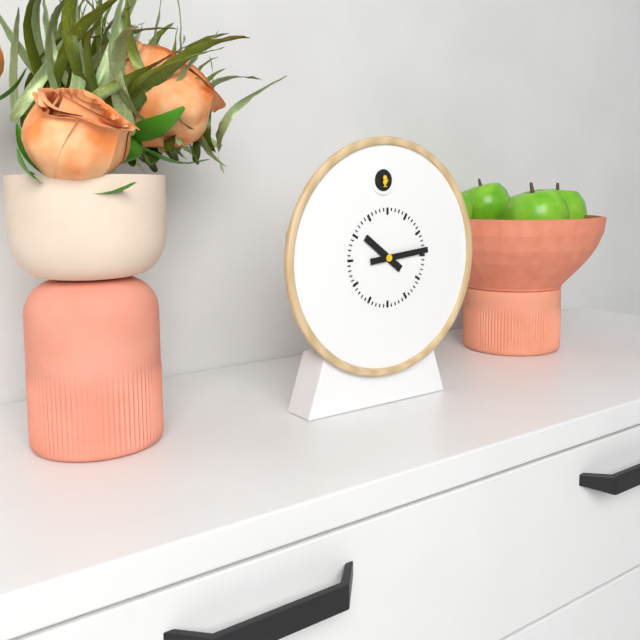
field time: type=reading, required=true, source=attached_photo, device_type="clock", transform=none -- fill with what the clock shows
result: 10:14
